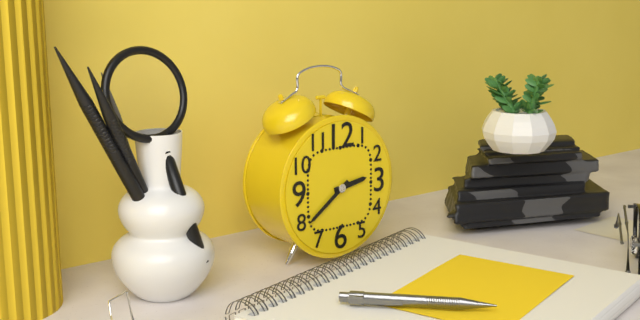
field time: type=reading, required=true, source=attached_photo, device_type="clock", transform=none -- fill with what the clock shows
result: 2:39
